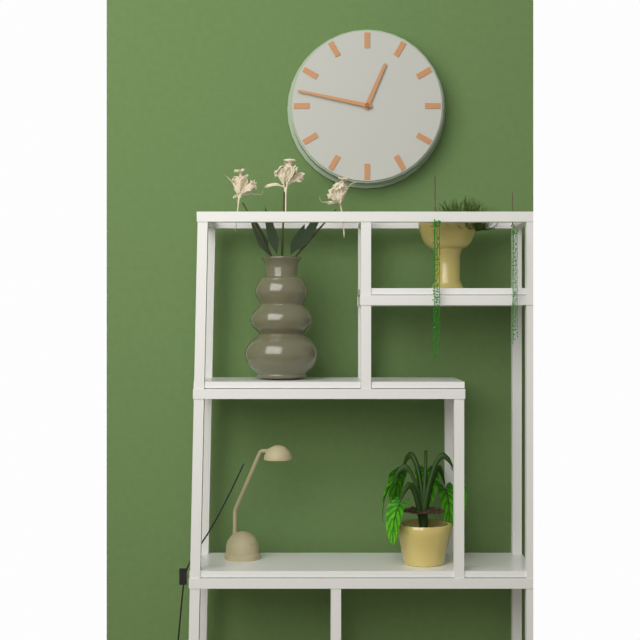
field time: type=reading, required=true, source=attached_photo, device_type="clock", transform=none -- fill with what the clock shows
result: 12:47
